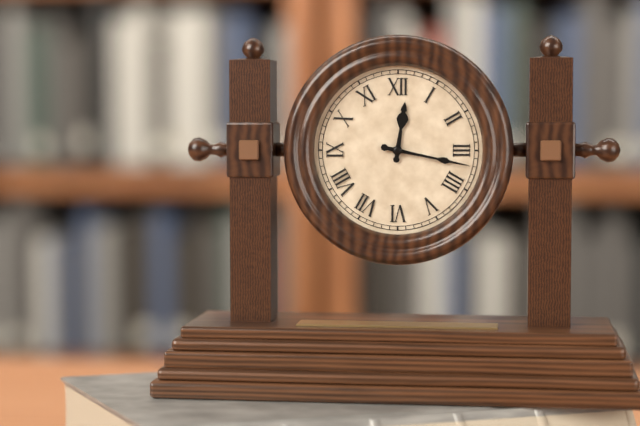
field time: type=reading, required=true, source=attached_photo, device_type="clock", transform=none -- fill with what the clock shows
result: 12:17
